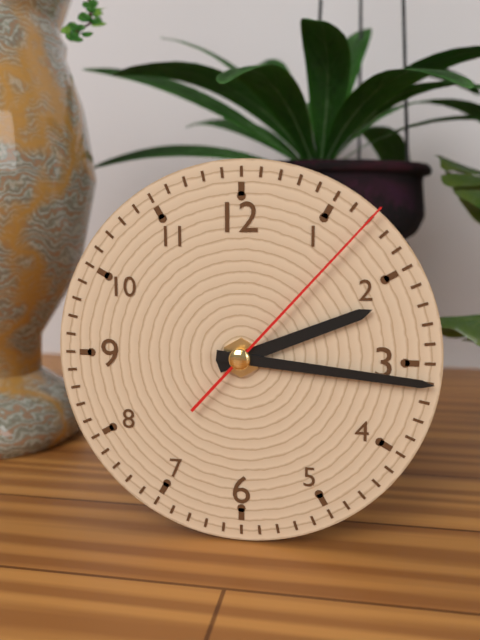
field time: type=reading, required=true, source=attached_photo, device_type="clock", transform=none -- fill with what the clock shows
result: 2:16:07
